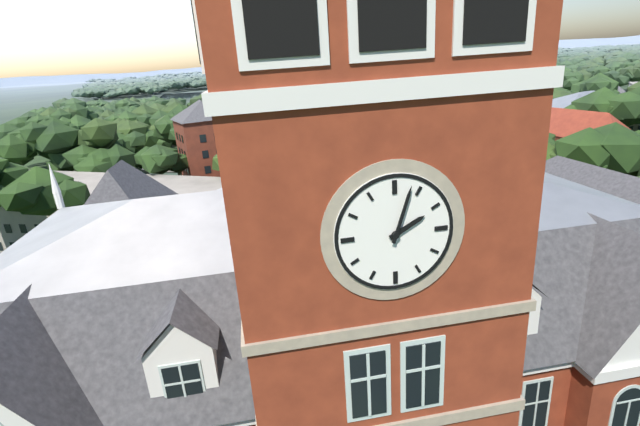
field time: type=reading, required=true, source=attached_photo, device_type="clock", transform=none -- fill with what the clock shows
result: 2:03
